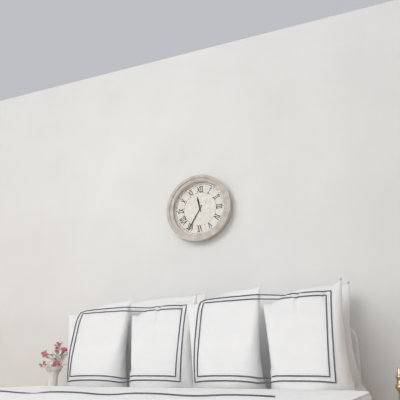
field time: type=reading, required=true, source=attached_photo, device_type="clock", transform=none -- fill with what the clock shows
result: 11:35
